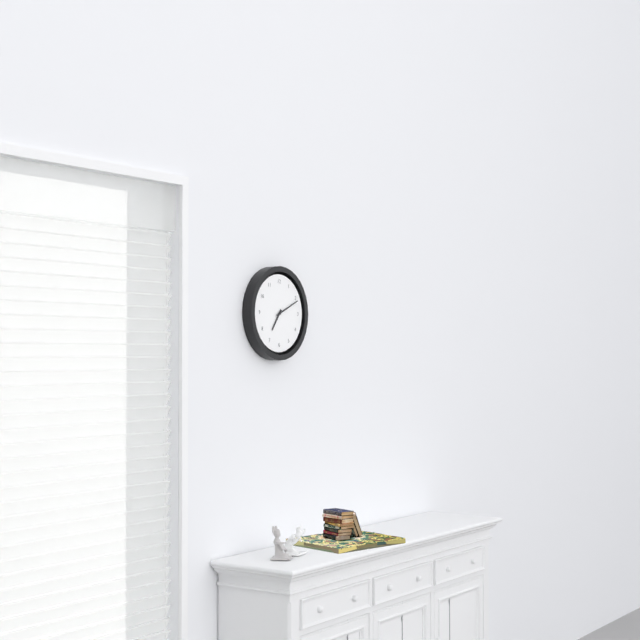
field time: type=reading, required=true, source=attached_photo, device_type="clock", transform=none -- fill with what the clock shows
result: 7:11
